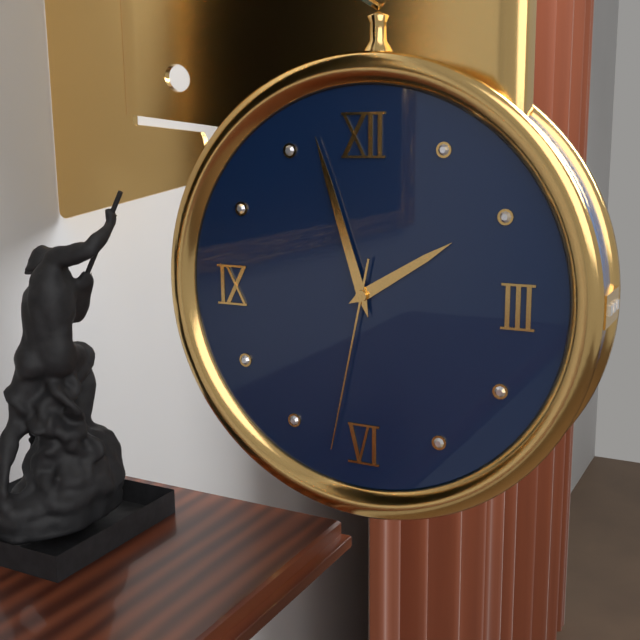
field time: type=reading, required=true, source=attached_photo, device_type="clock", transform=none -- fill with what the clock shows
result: 1:57:32
